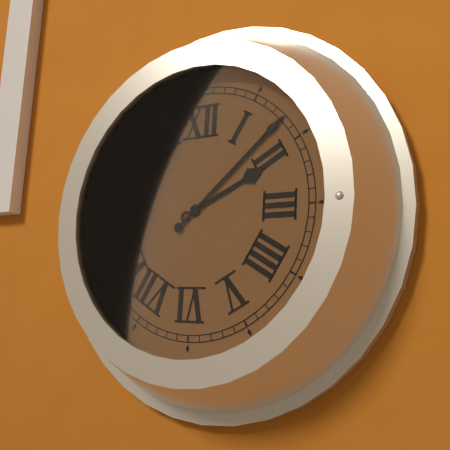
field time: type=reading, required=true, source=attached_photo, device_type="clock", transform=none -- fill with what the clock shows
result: 2:08
